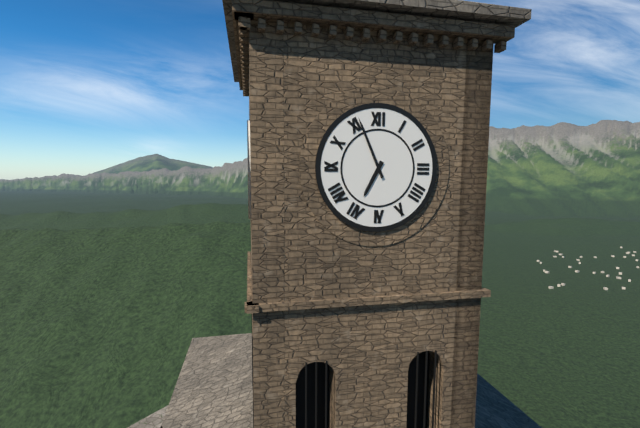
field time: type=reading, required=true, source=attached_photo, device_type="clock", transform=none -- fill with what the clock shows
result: 6:56
